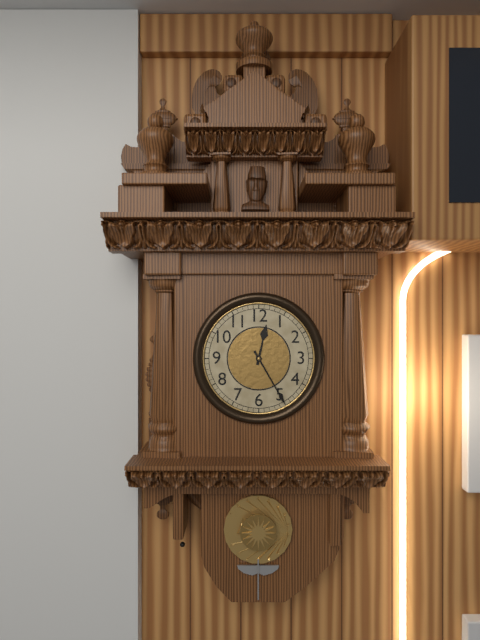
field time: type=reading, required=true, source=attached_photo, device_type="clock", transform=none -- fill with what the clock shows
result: 12:25
